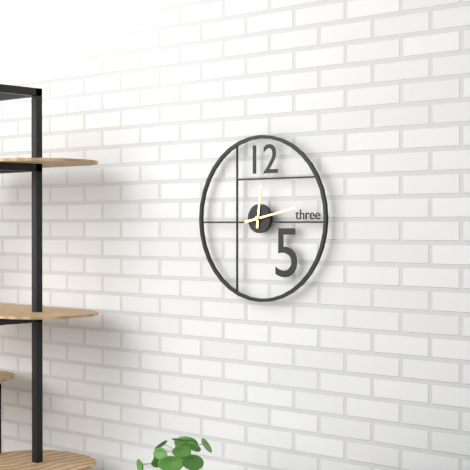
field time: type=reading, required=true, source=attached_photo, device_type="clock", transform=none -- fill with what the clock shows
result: 12:13
